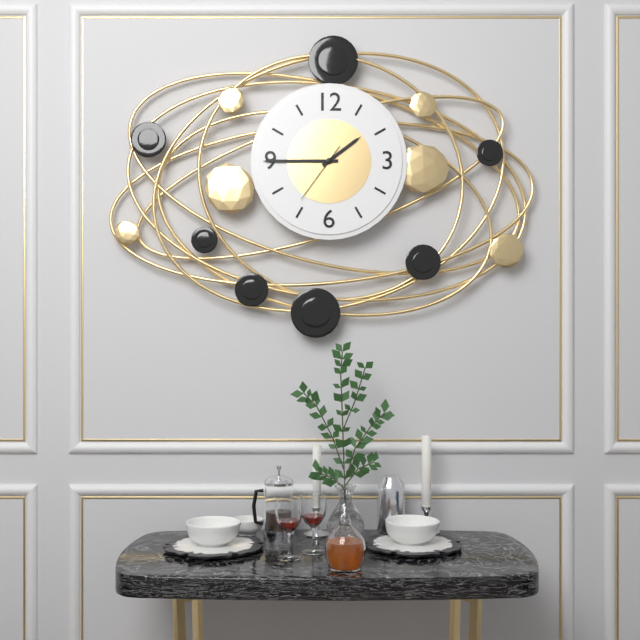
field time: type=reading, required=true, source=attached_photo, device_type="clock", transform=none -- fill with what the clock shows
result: 1:45:36
